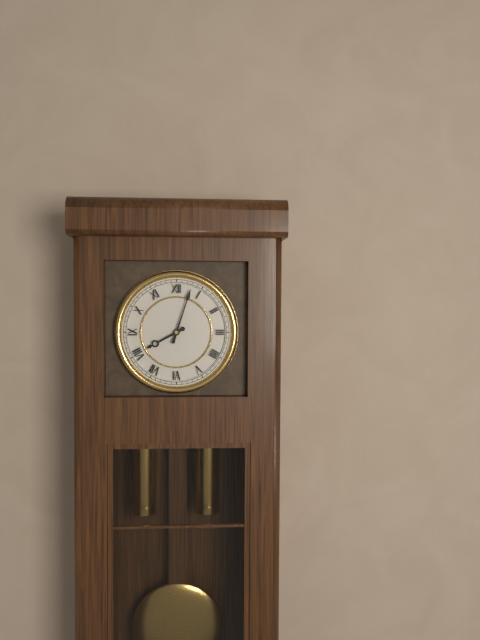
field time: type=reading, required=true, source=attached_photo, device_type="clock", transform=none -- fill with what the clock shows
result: 8:03
